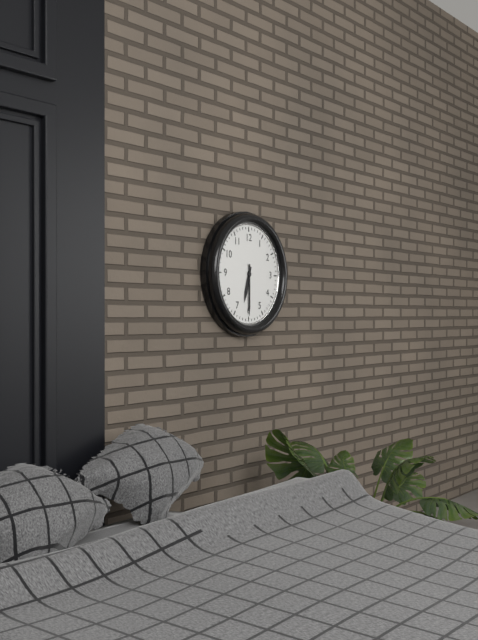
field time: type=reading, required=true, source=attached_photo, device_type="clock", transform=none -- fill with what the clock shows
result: 6:30
